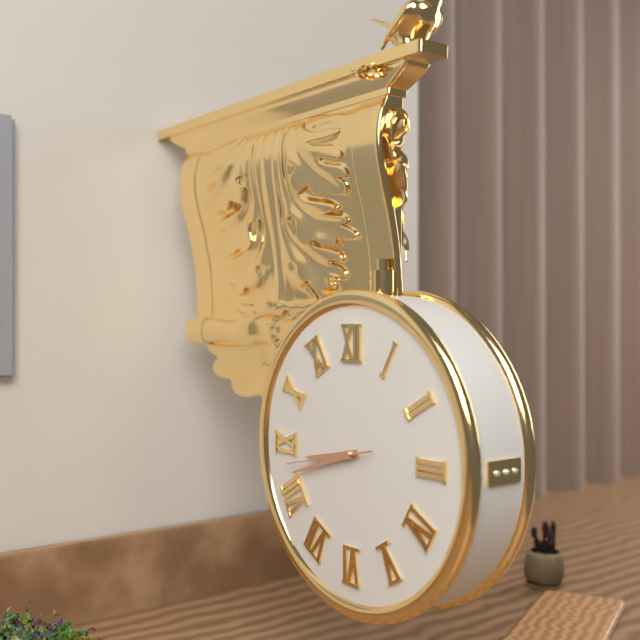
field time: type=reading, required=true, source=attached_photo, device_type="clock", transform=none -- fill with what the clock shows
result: 8:42:43
